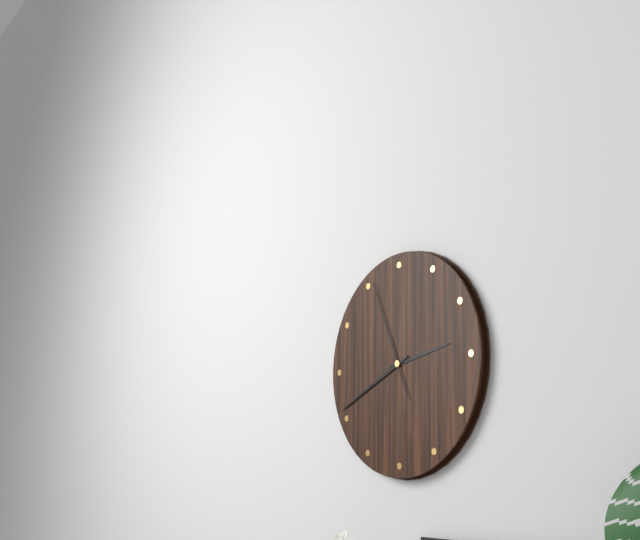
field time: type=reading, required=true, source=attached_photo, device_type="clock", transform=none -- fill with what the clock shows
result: 2:41:56
